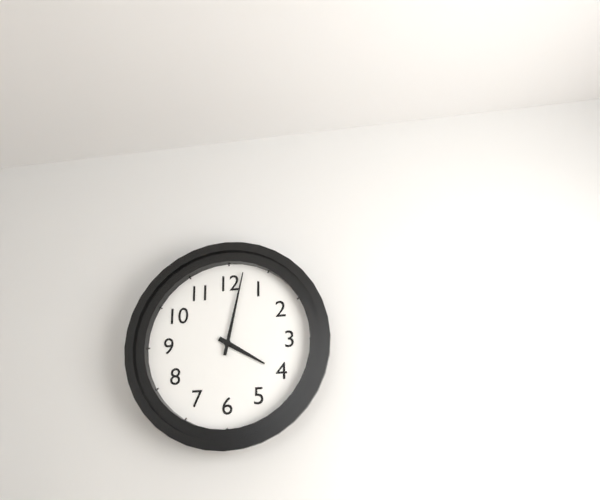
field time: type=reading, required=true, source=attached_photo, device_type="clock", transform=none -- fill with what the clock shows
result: 4:02
